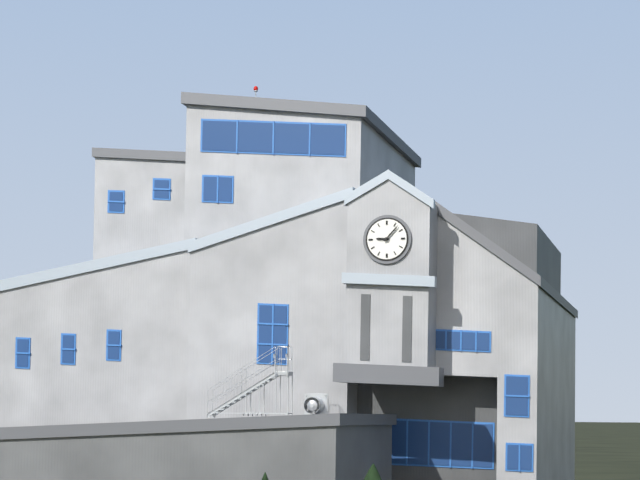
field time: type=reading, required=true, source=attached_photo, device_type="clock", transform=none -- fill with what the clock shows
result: 9:07
